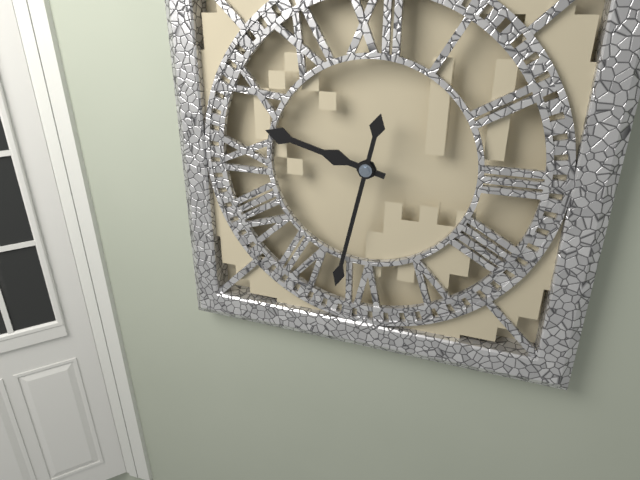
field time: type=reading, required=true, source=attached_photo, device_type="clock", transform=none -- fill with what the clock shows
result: 9:32
